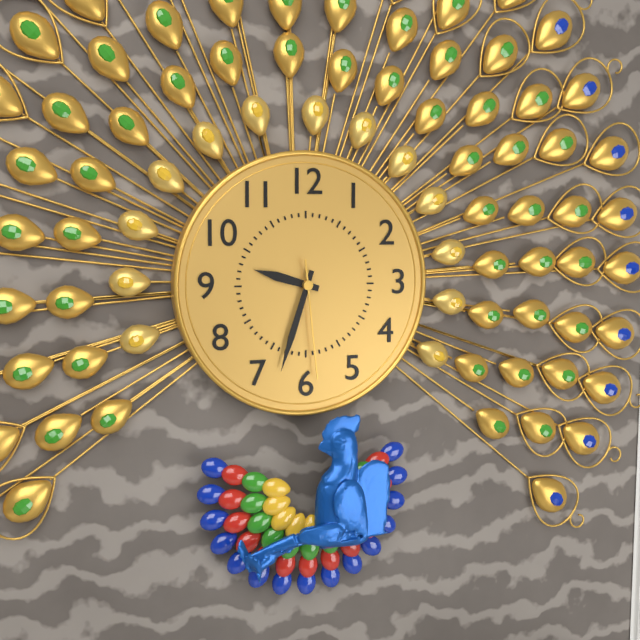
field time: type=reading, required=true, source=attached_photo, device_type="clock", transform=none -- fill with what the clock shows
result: 9:33:29
